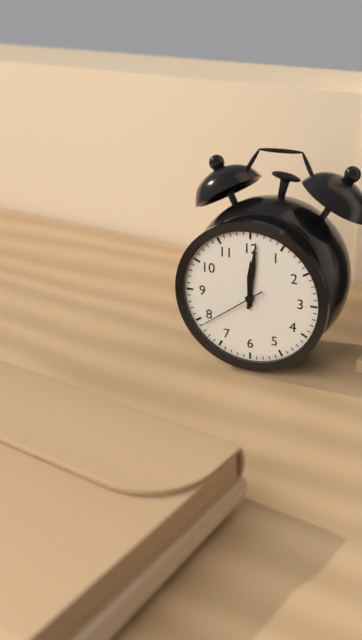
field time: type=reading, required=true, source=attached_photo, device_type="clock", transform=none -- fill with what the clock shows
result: 12:01:39
